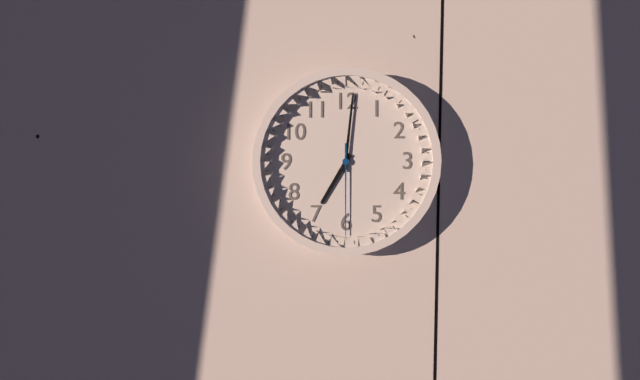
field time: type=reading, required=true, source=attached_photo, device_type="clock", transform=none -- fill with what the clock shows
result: 7:01:30
